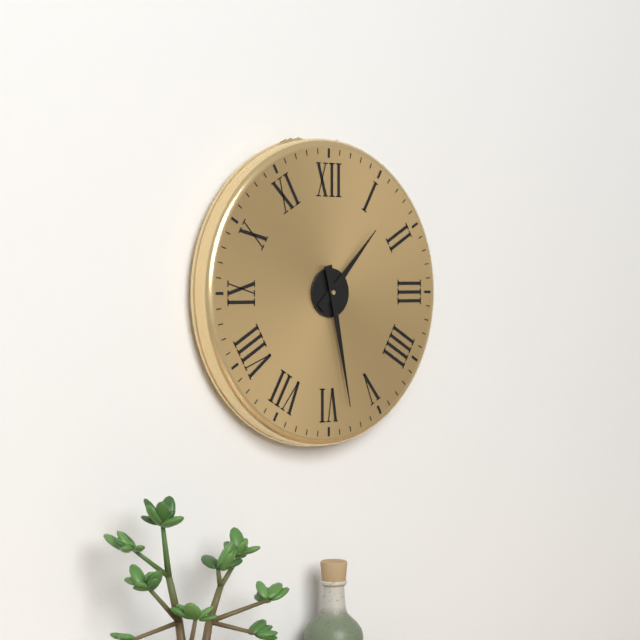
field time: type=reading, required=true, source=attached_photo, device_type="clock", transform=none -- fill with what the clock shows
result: 1:28
